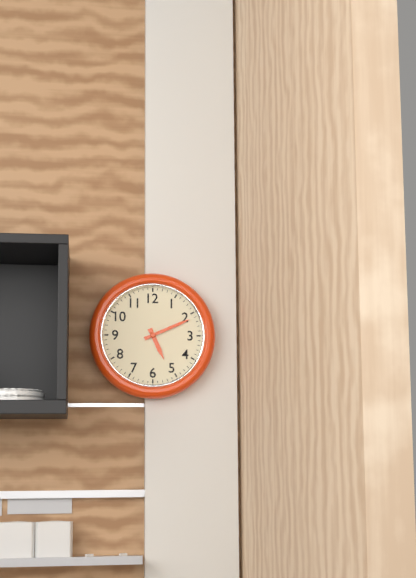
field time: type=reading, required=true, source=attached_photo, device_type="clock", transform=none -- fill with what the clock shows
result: 5:11
